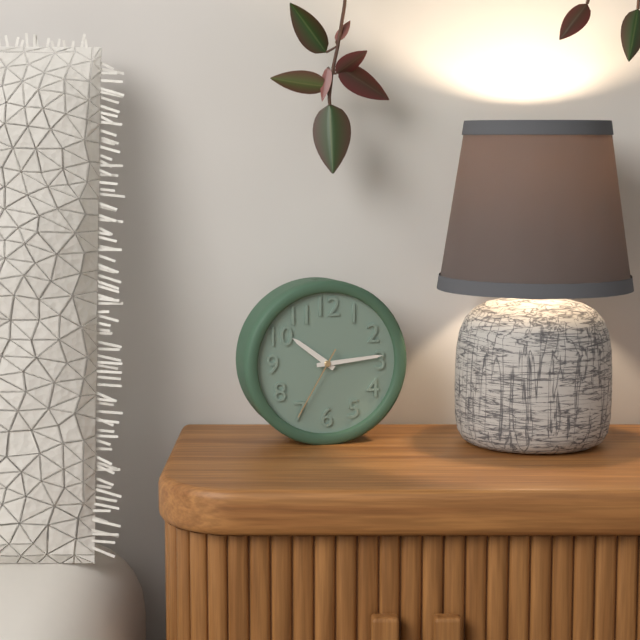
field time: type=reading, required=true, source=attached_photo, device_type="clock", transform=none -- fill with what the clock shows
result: 10:14:35
